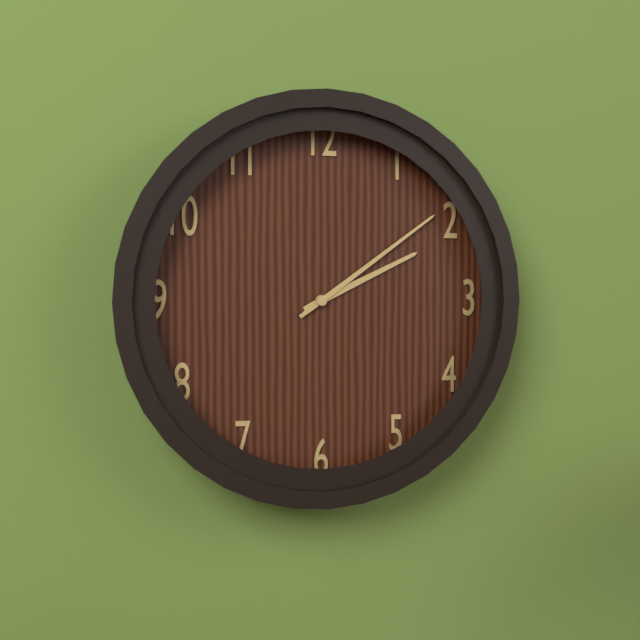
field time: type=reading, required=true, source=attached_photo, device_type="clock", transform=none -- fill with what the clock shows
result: 2:09
